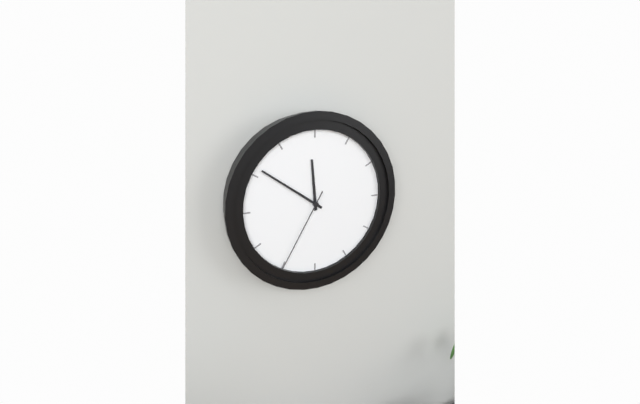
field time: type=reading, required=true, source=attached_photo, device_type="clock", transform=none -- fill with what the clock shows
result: 11:51:35
